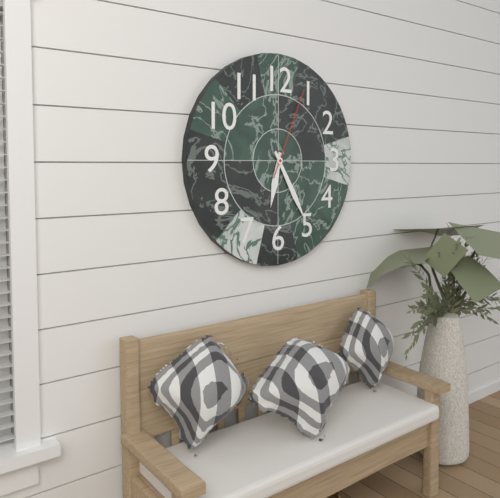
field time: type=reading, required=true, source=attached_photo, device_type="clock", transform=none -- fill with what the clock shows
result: 6:25:04
